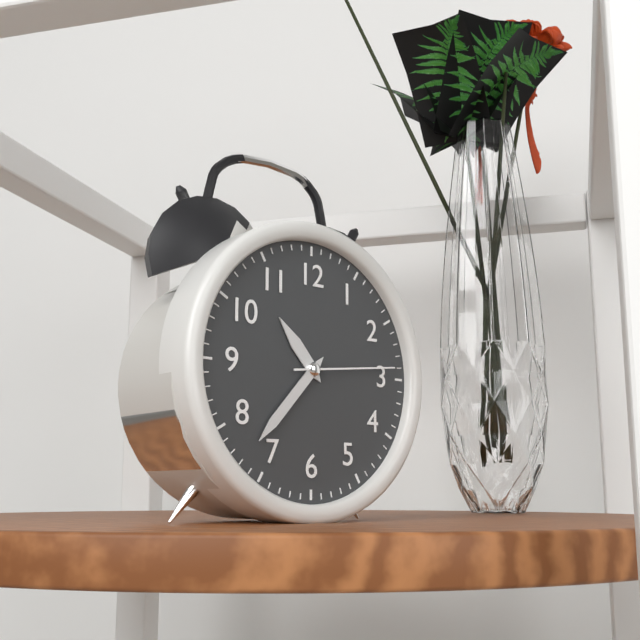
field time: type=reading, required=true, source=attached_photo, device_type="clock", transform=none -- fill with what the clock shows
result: 10:37:14
